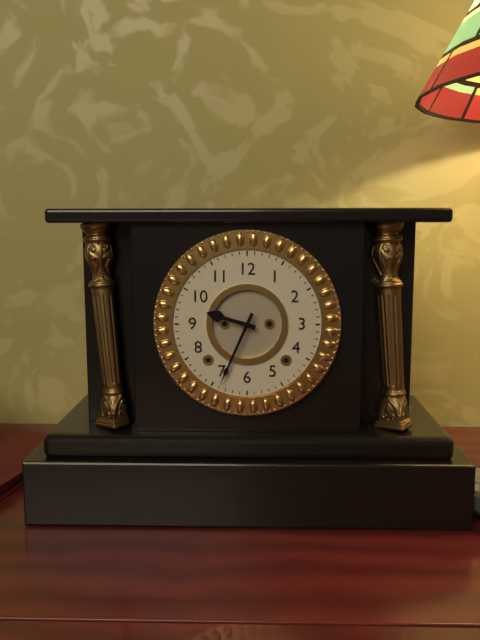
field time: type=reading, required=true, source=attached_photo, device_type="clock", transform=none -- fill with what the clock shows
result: 9:34
